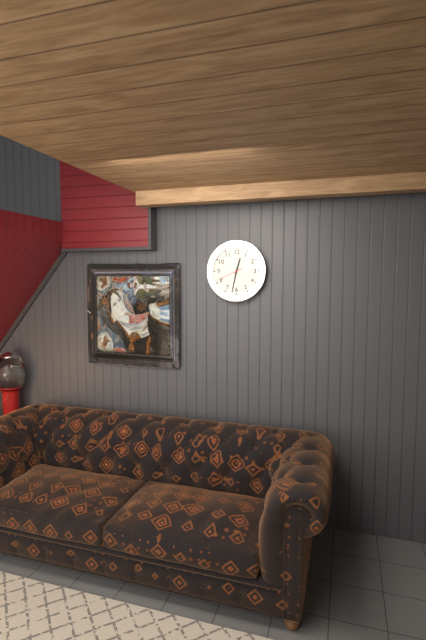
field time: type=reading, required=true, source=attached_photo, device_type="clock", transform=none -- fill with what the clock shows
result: 12:32
